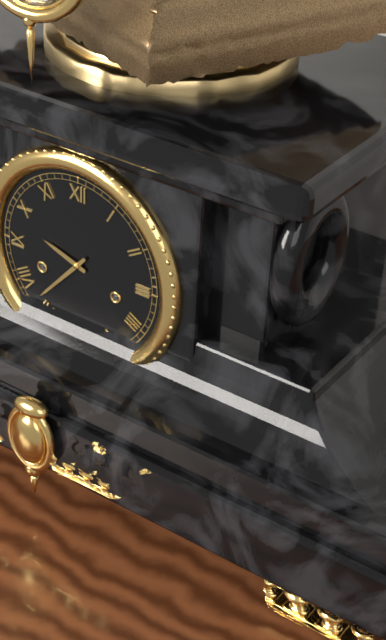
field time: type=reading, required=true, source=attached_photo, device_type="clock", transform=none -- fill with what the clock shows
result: 9:37
